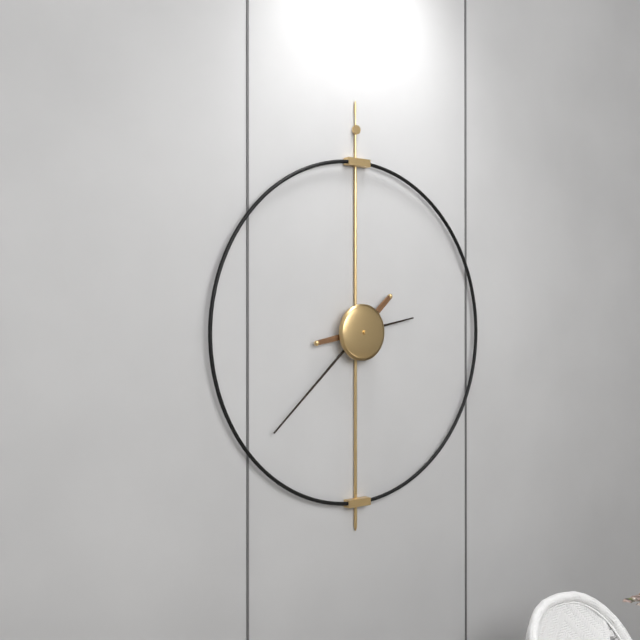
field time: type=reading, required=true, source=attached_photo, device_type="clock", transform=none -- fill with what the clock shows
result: 2:38
